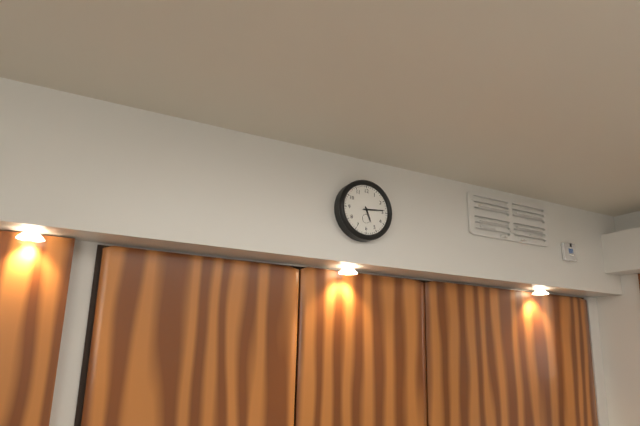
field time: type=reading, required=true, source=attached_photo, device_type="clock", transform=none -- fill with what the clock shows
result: 5:14
